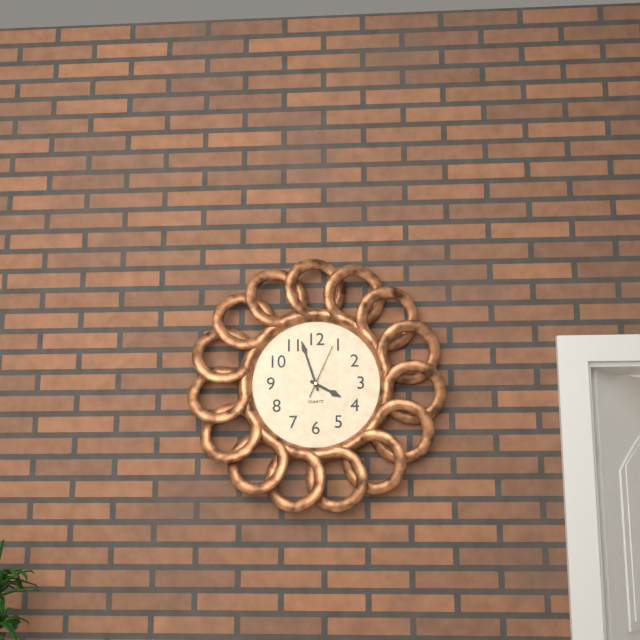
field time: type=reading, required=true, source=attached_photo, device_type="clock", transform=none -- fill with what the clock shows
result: 3:57:04
